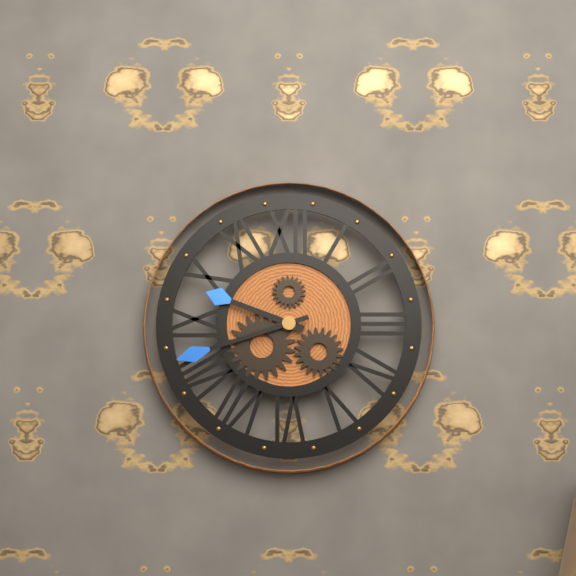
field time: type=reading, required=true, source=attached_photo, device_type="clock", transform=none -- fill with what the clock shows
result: 9:42
